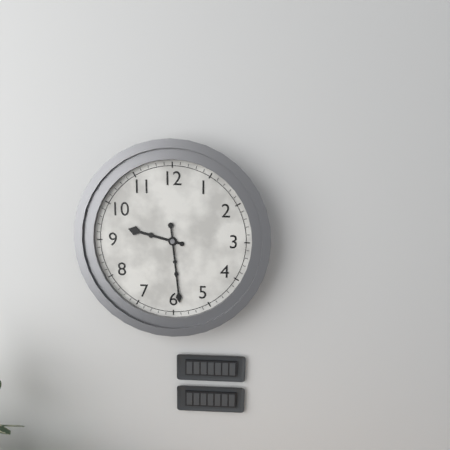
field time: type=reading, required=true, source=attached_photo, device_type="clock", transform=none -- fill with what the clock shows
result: 9:29
